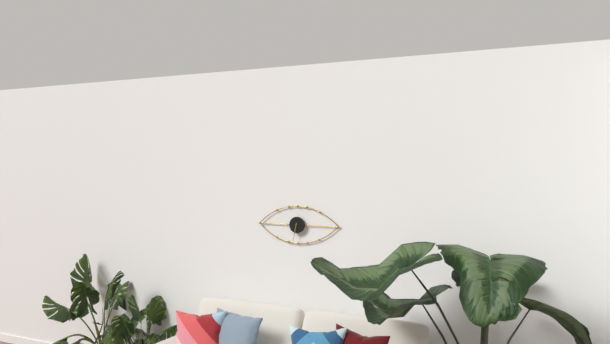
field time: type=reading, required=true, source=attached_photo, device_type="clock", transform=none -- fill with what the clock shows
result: 6:32
